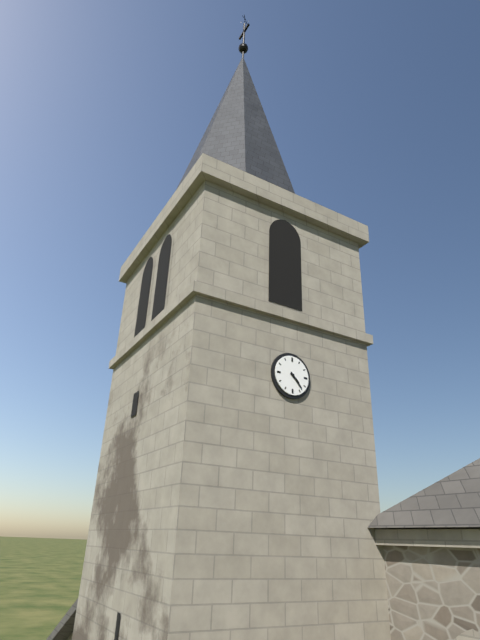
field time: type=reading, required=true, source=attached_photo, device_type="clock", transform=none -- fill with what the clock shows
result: 4:23
